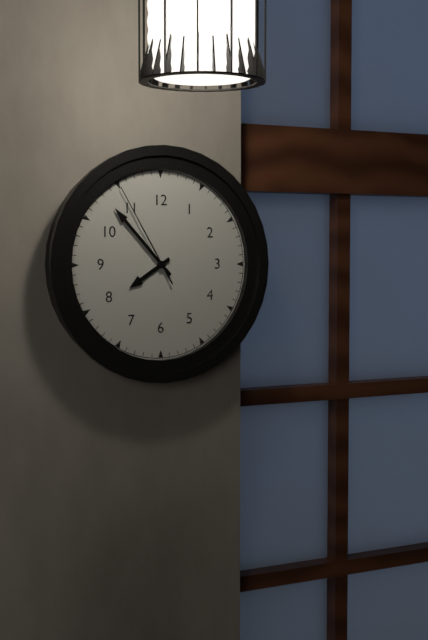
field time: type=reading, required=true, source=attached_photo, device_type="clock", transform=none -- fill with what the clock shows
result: 7:53:55
